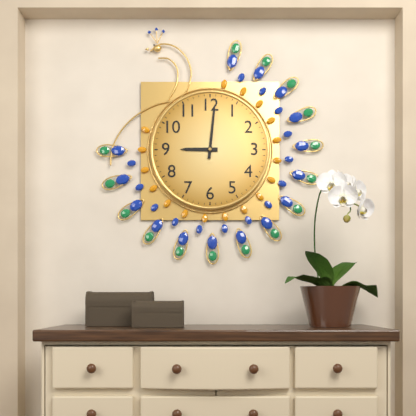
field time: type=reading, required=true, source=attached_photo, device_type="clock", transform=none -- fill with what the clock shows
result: 9:01
